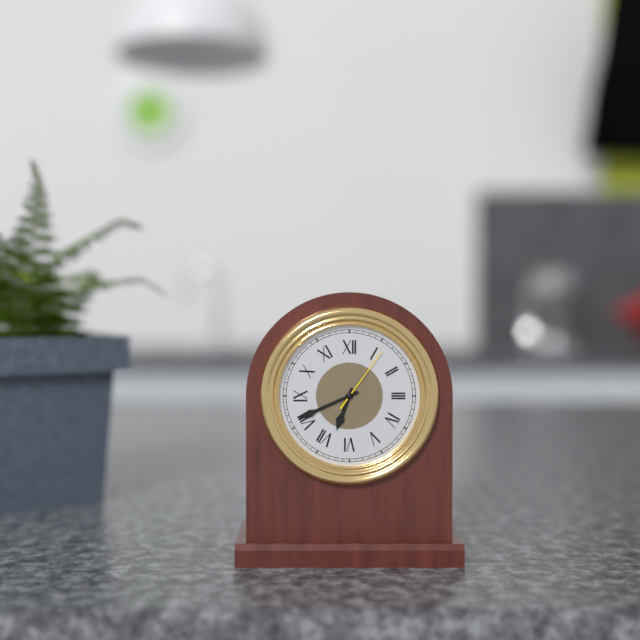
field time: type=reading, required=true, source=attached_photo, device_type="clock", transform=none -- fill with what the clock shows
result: 6:41:06
